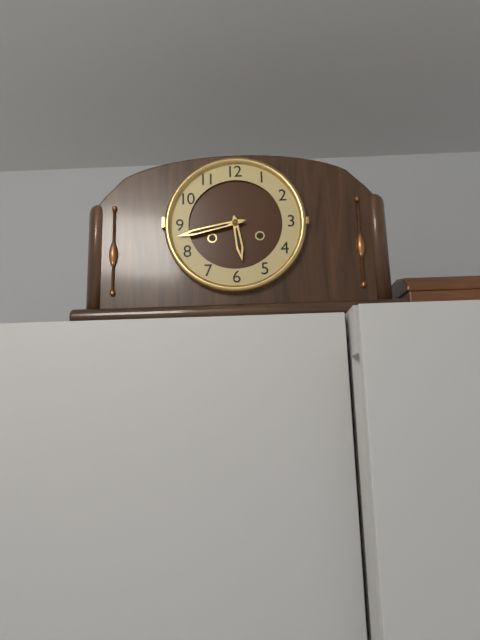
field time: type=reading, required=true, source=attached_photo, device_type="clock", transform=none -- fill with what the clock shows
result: 5:43
